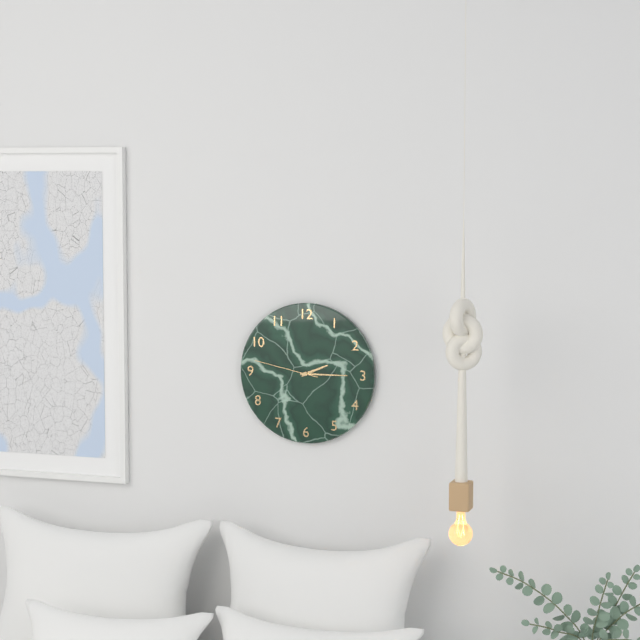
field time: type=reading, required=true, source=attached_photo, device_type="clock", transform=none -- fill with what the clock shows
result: 2:15:47
